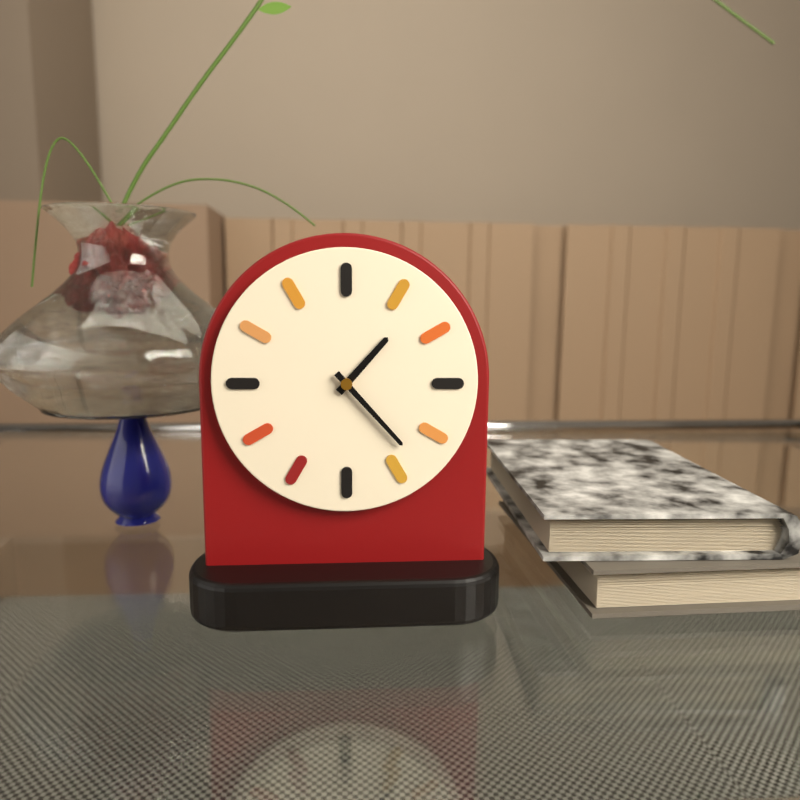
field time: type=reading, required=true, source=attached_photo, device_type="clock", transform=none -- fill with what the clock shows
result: 1:23
